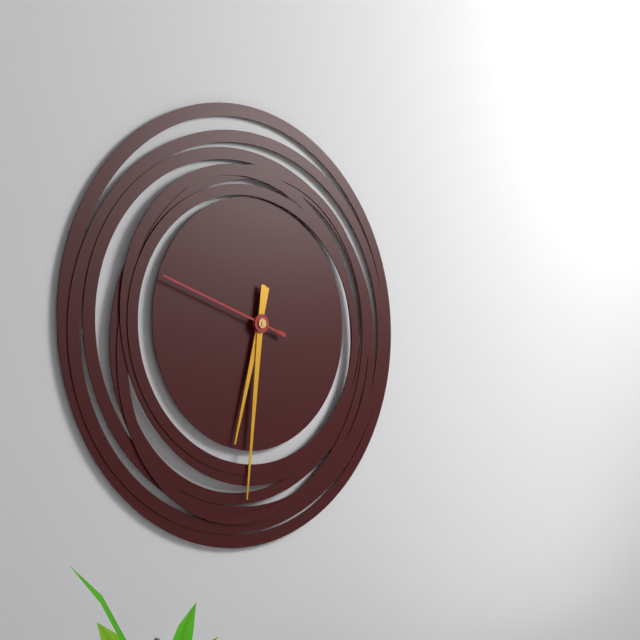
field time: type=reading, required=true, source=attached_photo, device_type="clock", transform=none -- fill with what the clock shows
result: 6:31:48
